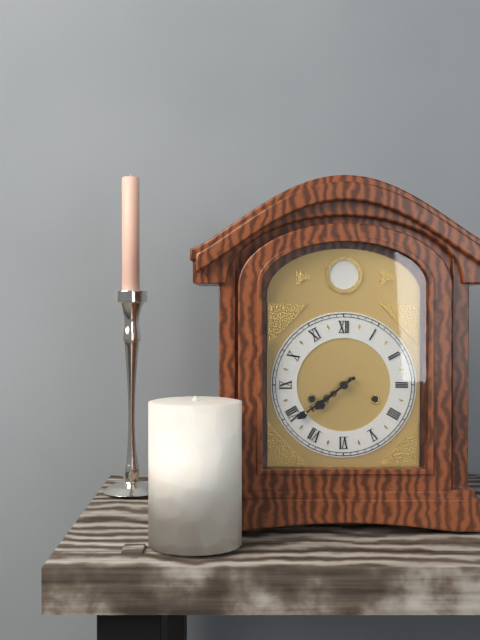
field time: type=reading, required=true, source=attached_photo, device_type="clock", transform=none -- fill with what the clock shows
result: 7:39
